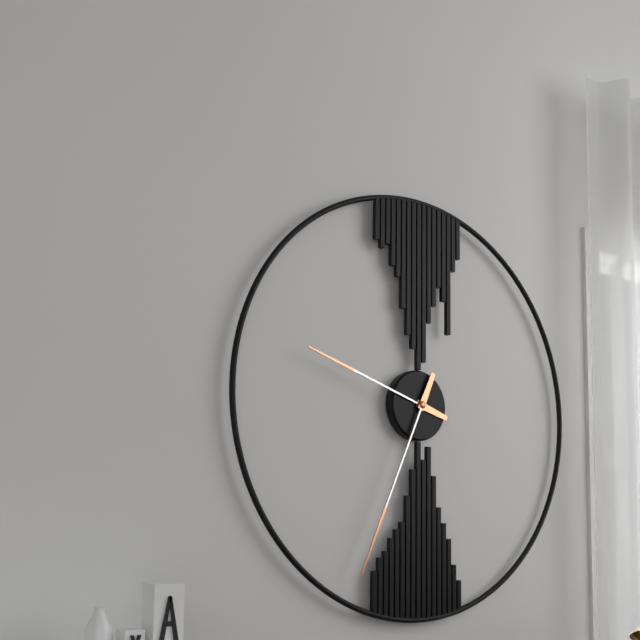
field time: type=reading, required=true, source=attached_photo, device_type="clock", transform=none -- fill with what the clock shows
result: 9:34
